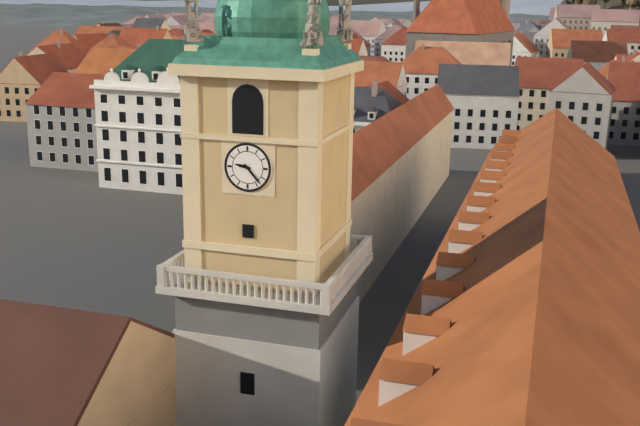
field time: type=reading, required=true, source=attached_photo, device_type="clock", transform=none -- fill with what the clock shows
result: 9:23
